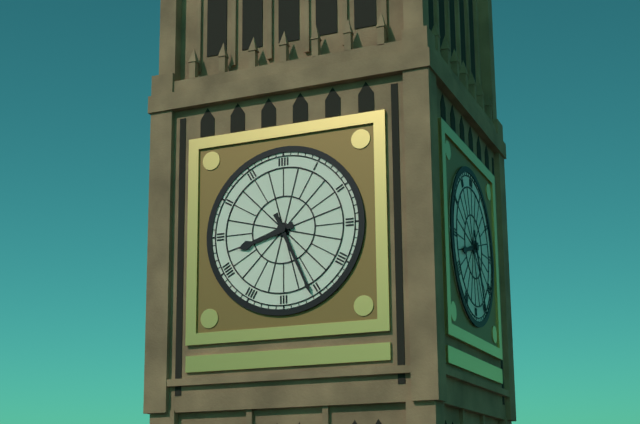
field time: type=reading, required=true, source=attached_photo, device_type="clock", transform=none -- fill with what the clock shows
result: 8:26
